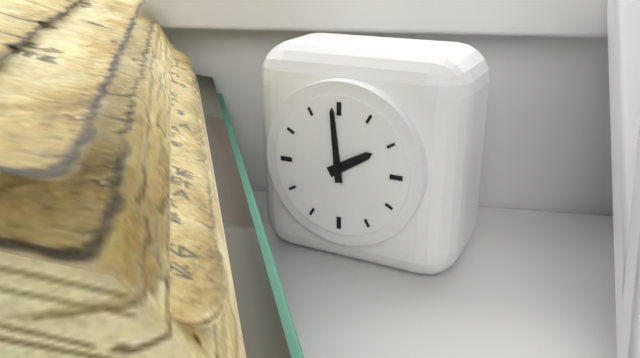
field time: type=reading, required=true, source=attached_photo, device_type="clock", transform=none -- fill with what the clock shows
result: 1:59
